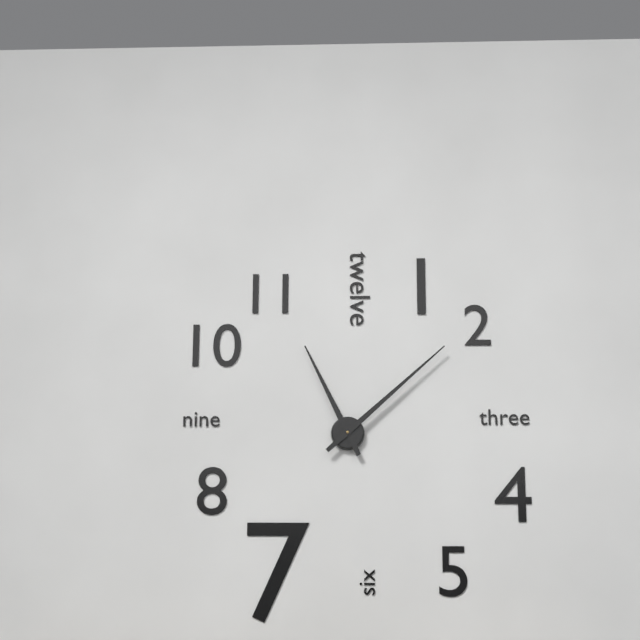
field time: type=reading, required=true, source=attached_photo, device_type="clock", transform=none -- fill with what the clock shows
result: 11:08
